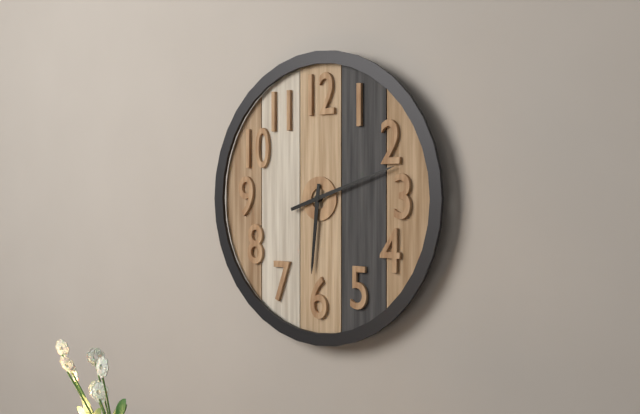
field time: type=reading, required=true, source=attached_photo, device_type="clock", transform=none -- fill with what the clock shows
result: 6:12
